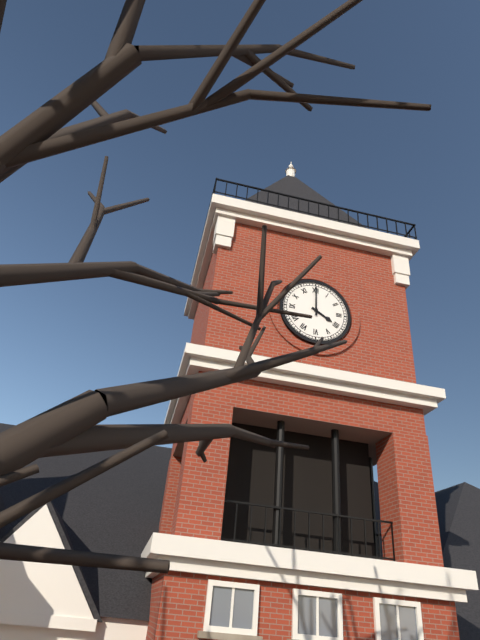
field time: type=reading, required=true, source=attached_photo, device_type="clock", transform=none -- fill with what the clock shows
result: 4:00
